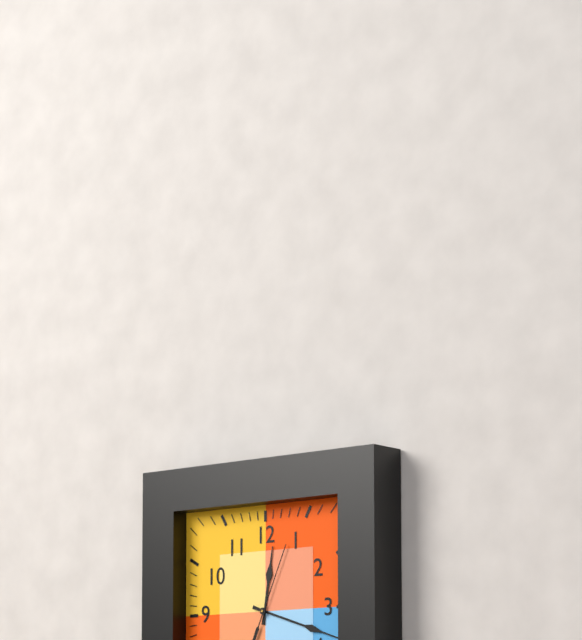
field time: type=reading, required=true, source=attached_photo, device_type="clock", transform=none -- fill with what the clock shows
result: 12:18:04
